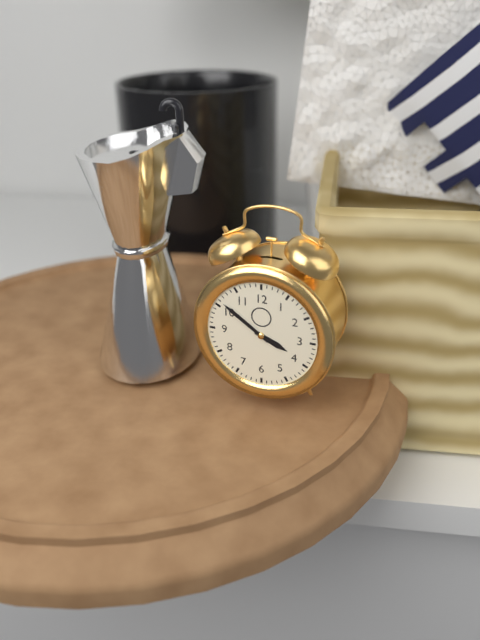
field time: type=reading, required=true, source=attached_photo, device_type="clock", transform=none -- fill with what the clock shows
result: 3:51
